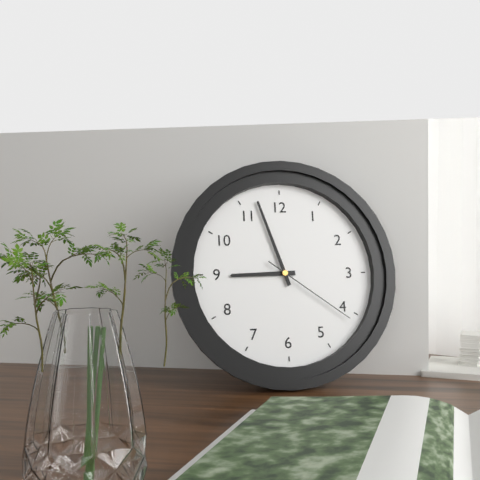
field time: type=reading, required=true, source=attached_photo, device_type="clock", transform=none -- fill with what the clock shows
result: 8:57:21
